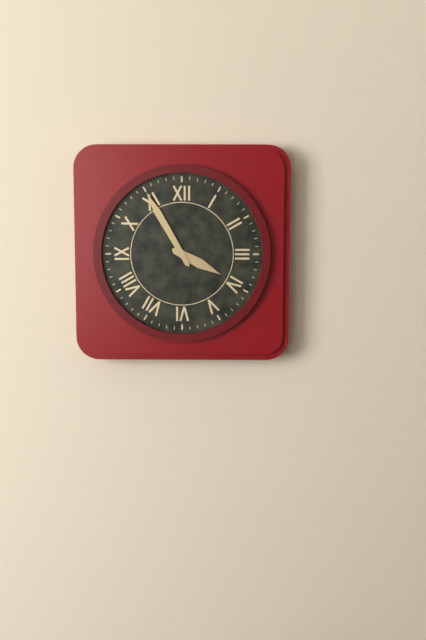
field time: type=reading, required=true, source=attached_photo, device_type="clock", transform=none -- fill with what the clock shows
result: 3:55
